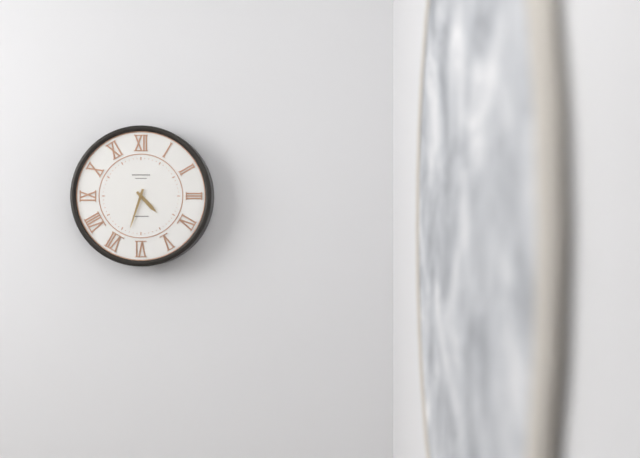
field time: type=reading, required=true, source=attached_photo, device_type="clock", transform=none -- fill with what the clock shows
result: 4:33
